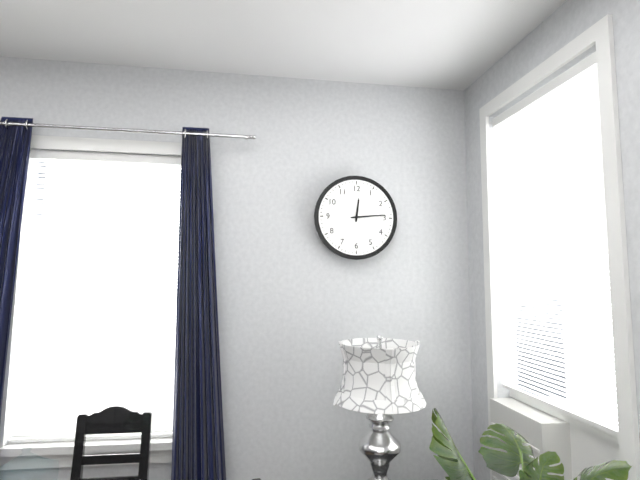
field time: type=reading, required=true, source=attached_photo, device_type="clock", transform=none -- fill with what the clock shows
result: 12:14
